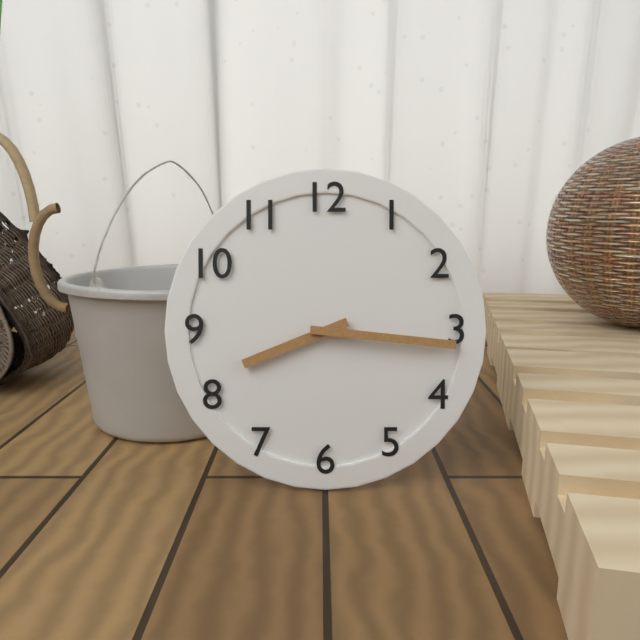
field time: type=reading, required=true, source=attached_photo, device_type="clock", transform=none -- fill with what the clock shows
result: 8:16
